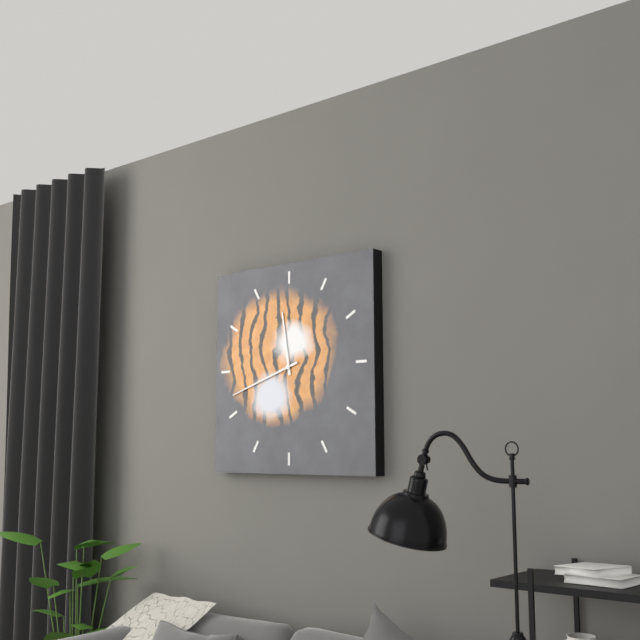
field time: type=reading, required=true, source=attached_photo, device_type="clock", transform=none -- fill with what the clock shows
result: 11:42
